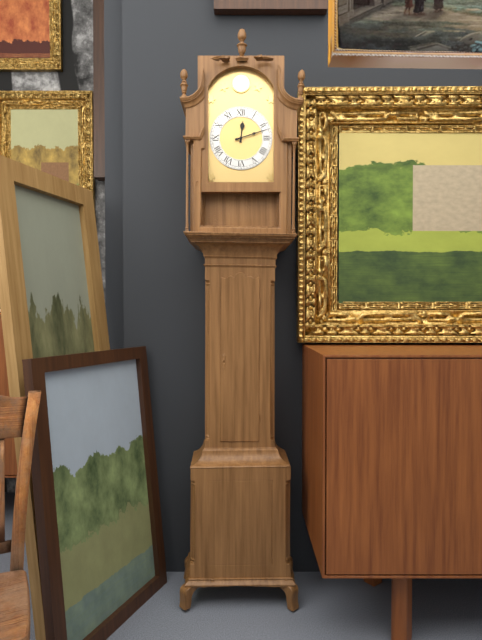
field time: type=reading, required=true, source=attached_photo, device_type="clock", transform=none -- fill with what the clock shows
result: 12:12
